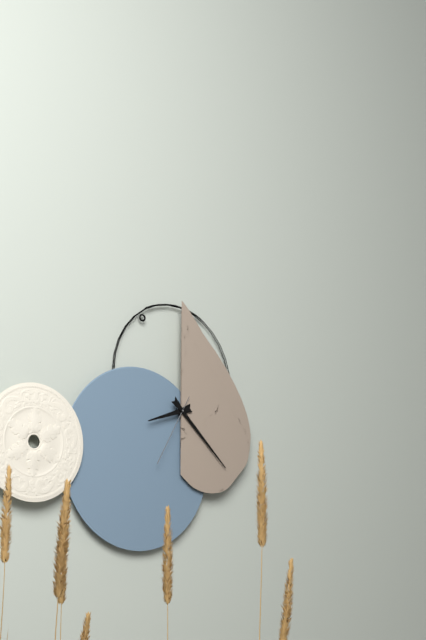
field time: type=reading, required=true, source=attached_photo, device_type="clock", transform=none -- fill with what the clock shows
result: 8:22:35
